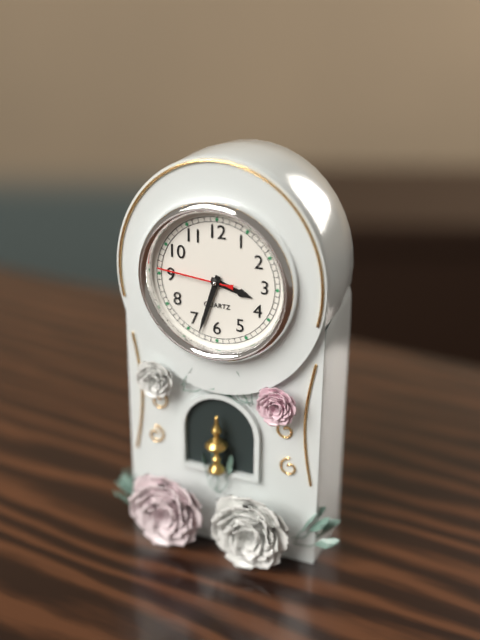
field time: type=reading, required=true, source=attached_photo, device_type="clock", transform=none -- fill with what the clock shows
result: 3:33:46
